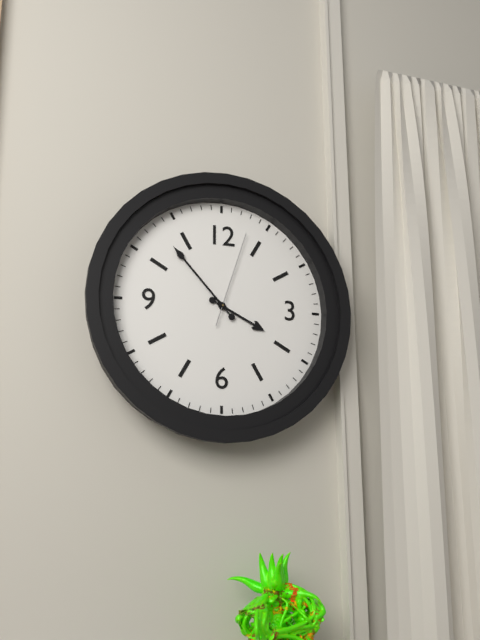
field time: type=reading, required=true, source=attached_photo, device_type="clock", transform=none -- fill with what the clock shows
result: 3:53:03
